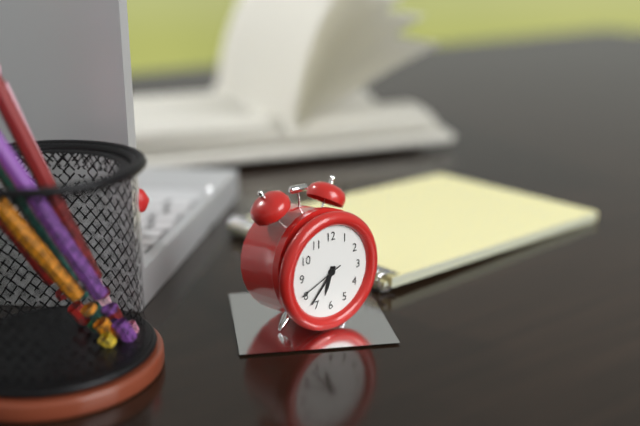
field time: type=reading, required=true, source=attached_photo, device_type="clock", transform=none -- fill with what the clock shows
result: 6:37
